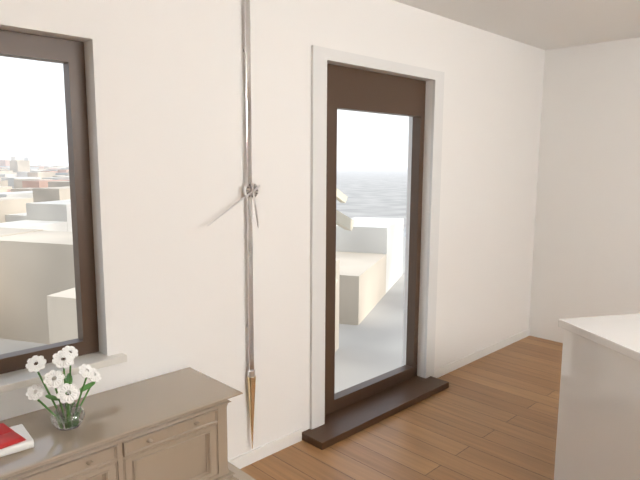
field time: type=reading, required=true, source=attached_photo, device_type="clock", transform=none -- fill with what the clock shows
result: 5:40
